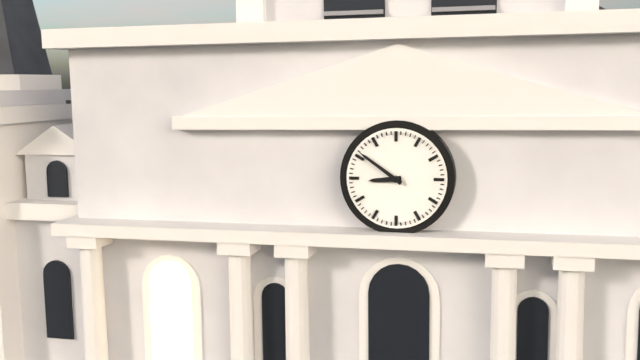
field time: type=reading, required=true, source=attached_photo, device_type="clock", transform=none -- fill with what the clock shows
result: 8:51
